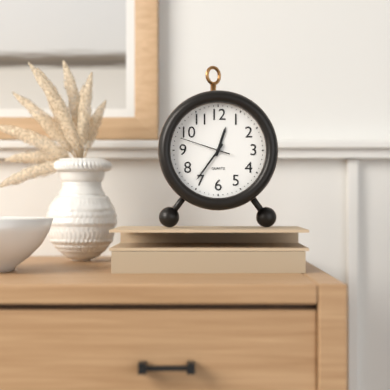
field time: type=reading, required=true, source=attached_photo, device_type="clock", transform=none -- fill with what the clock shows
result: 12:36
